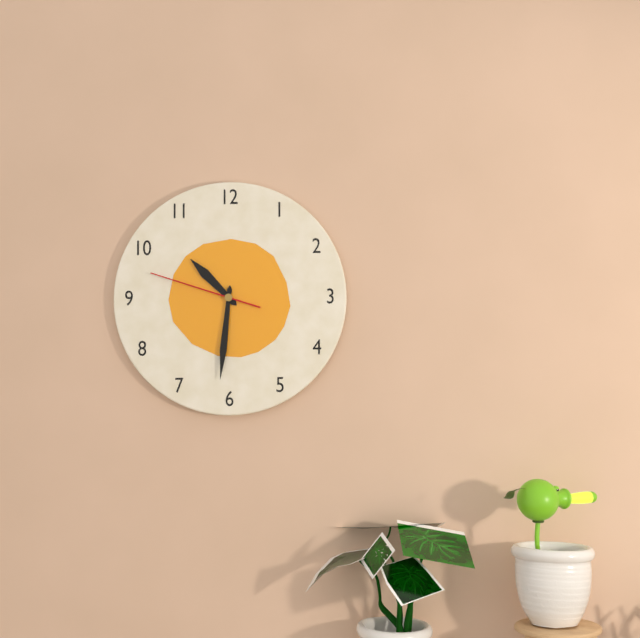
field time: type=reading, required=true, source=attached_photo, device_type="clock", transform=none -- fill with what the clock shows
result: 10:31:48
